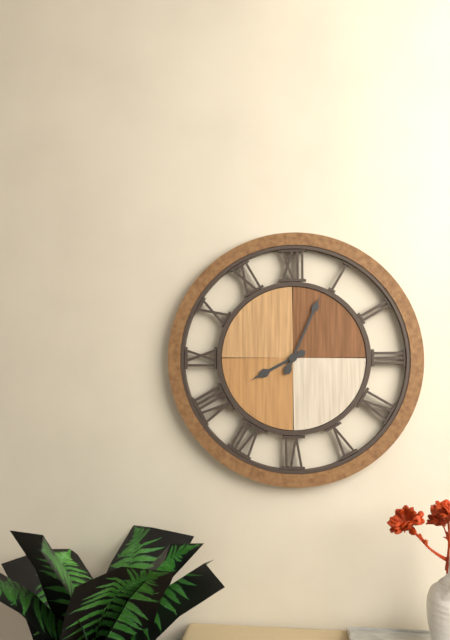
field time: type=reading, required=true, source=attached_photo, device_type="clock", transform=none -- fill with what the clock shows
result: 8:04
